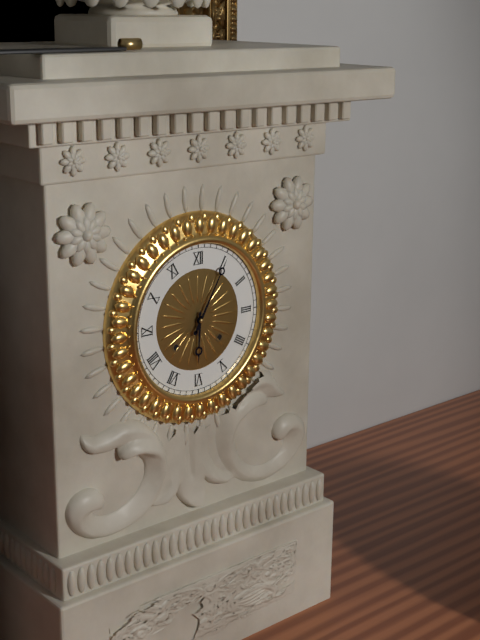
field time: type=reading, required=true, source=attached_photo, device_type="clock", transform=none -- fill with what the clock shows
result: 6:05
